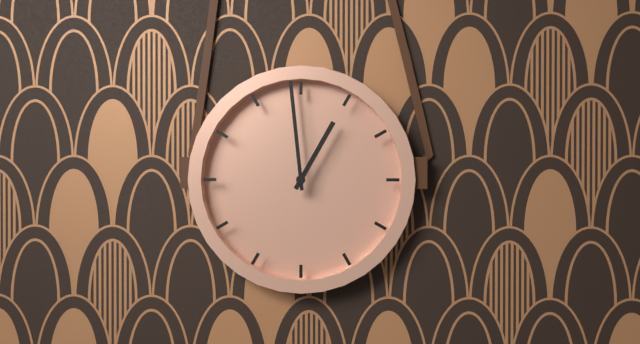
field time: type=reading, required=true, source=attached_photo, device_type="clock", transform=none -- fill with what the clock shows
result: 12:59
